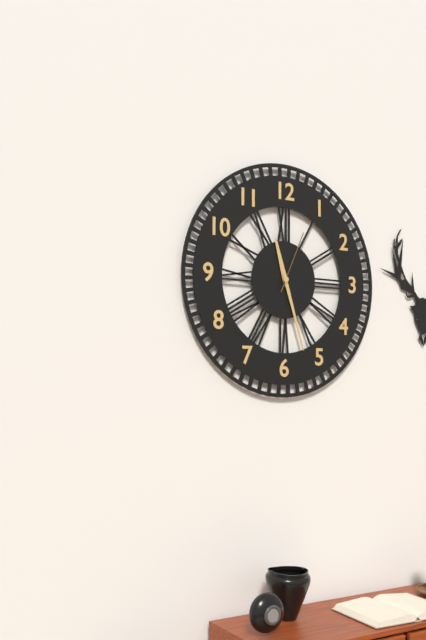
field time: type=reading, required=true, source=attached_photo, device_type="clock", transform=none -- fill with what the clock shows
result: 11:27:04
